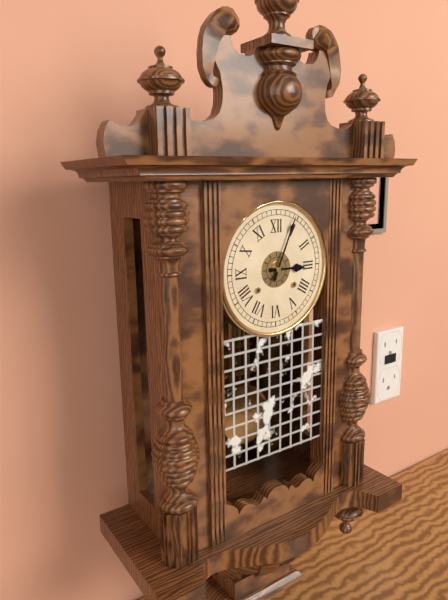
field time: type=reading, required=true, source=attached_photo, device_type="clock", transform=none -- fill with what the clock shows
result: 3:04
